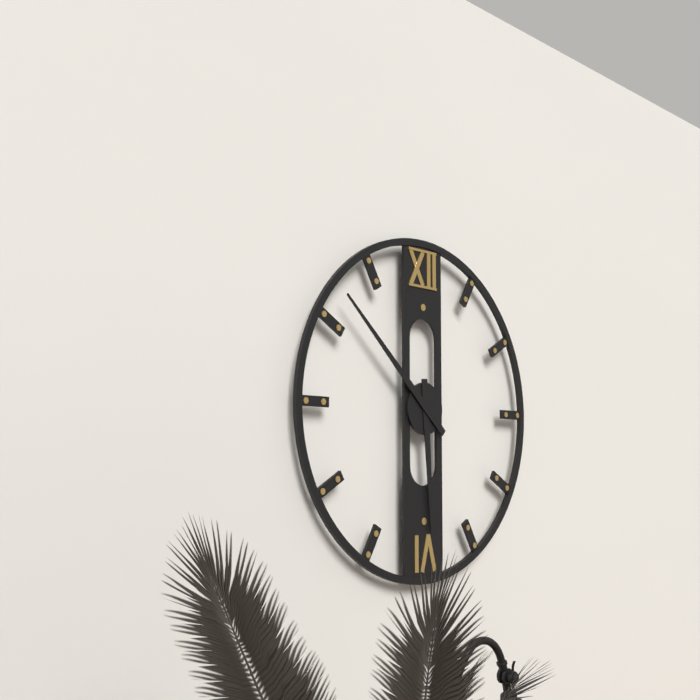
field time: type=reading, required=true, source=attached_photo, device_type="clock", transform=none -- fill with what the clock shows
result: 5:52
